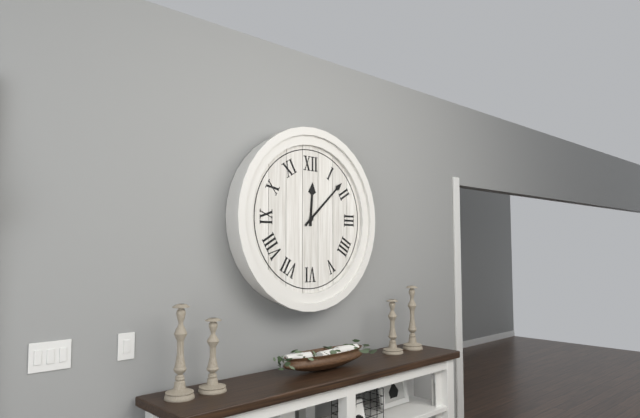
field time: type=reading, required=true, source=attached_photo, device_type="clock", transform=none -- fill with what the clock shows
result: 12:08
